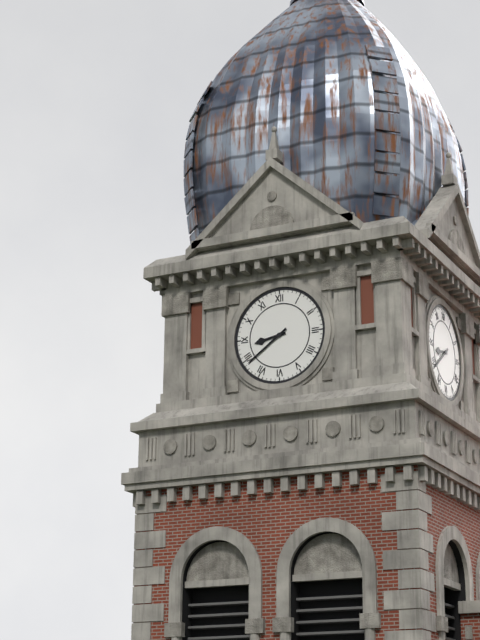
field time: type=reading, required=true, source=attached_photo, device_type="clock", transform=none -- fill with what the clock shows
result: 8:39
